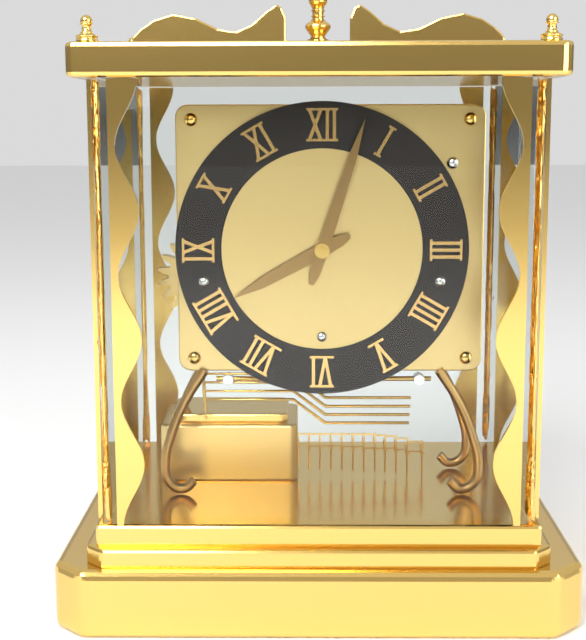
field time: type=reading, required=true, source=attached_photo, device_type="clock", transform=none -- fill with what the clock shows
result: 8:03
